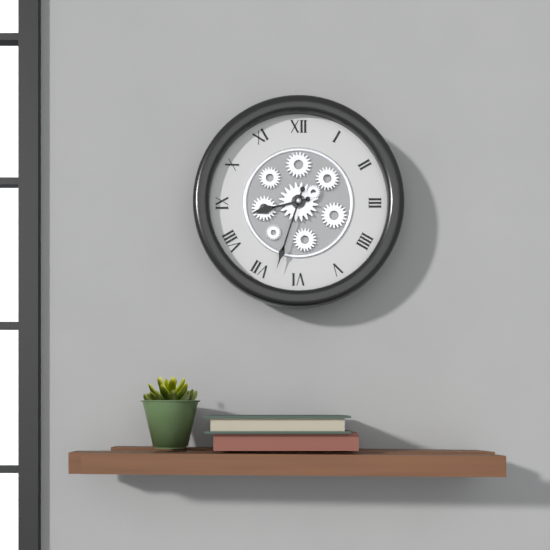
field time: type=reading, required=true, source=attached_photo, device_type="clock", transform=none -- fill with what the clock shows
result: 8:33
